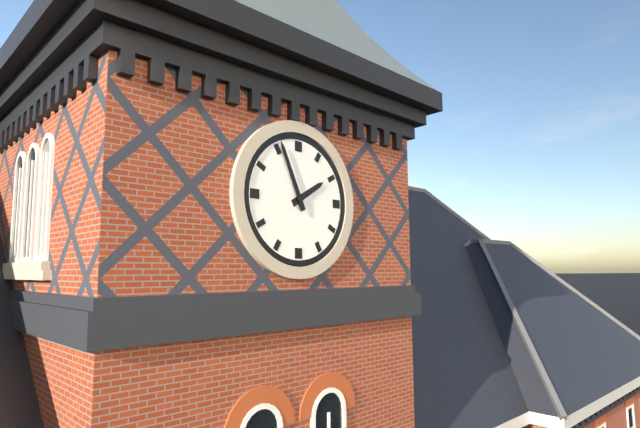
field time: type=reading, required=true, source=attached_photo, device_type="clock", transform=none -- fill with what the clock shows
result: 1:56
